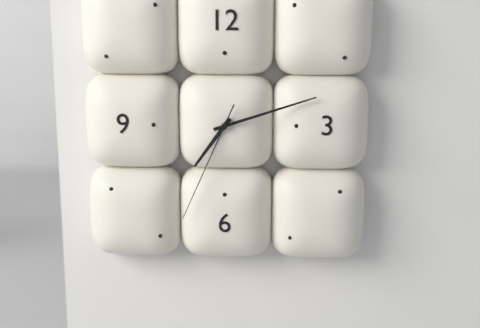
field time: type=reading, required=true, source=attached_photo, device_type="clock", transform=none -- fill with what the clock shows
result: 7:12:34
